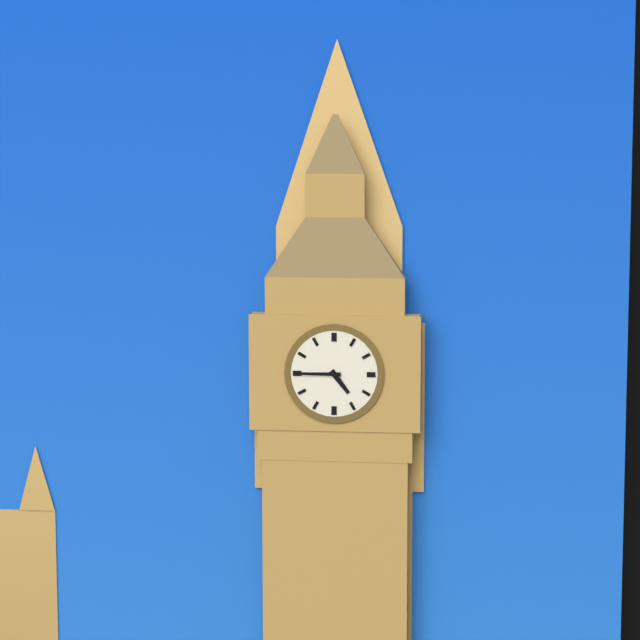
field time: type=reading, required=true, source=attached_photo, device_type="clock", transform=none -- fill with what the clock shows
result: 4:45
